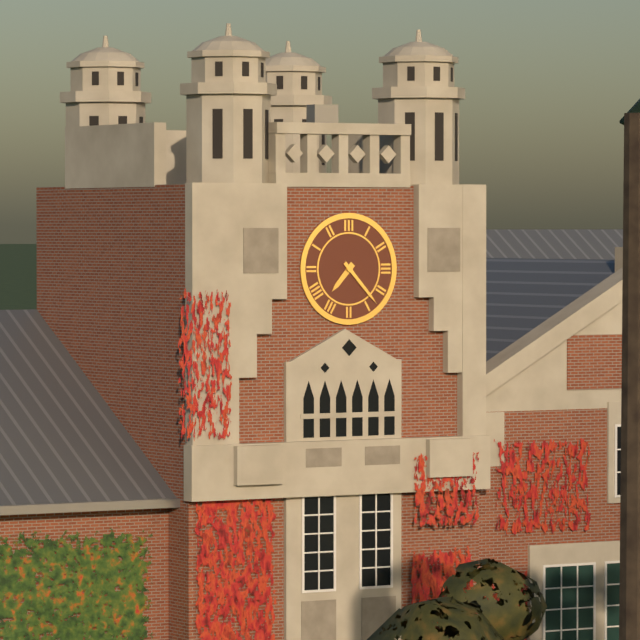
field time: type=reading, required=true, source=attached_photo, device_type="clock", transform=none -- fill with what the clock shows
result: 7:23
